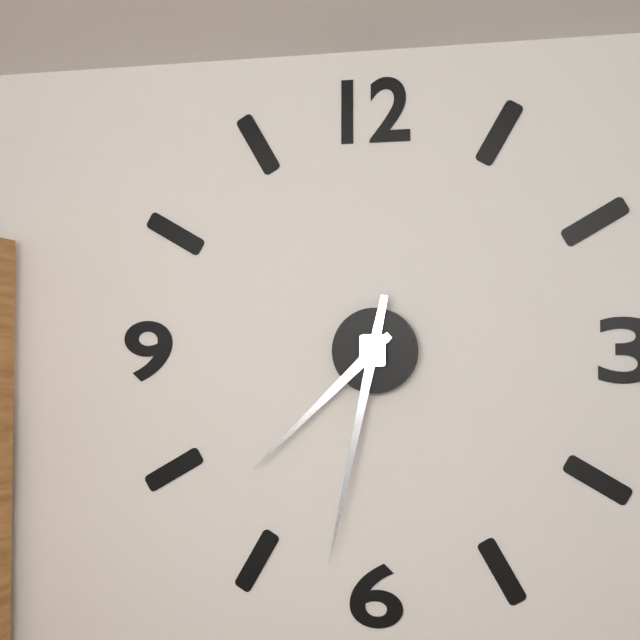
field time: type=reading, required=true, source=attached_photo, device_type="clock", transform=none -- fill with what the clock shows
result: 7:32
